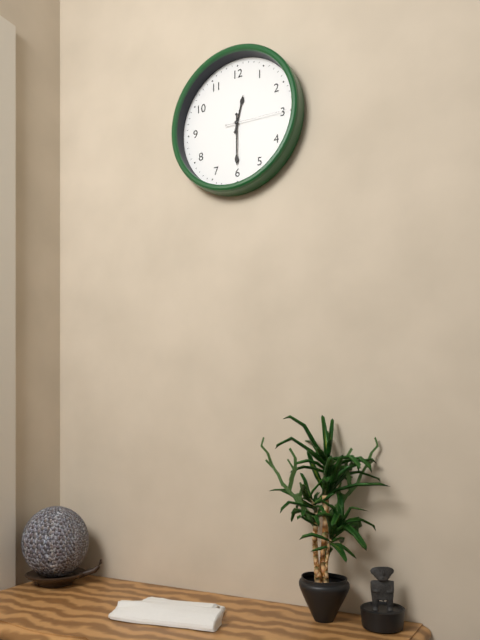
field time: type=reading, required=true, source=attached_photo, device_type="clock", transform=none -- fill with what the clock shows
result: 12:30:15
